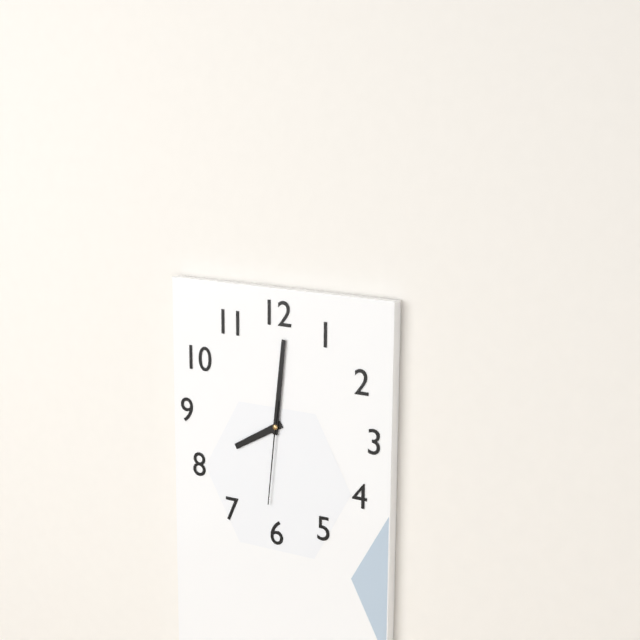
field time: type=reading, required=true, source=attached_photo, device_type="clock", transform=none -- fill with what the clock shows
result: 8:01:31
